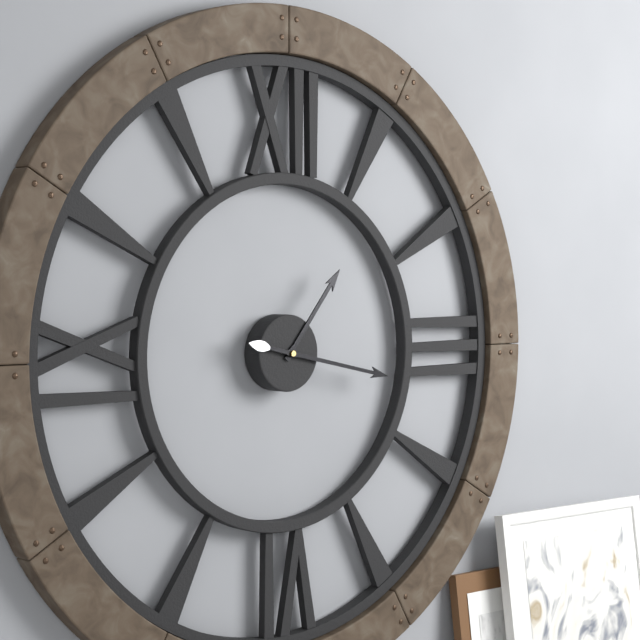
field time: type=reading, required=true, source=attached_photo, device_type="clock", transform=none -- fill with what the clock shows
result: 1:17
